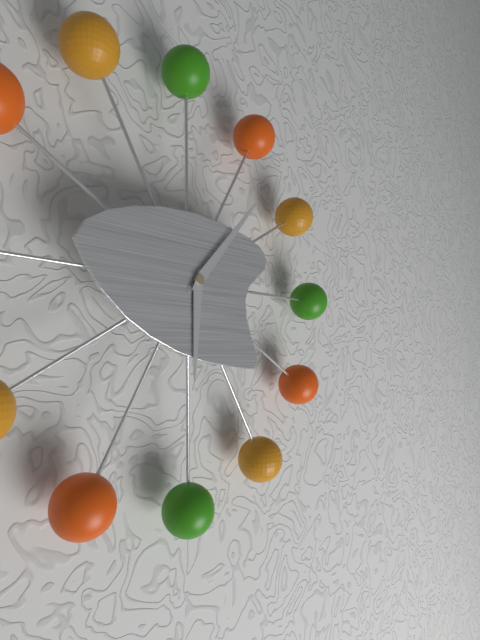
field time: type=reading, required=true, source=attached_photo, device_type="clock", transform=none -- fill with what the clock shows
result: 6:07
